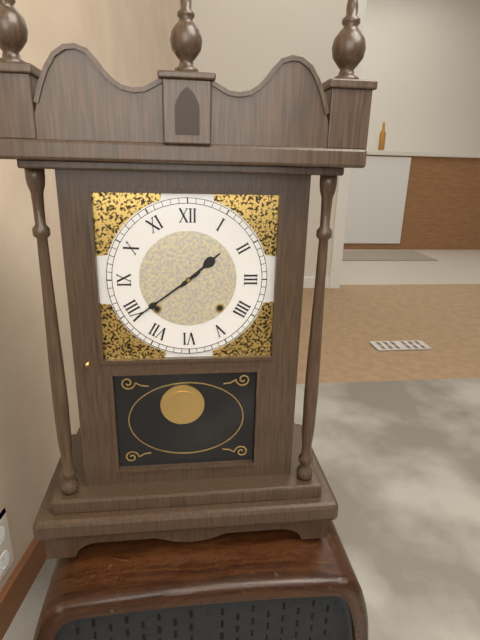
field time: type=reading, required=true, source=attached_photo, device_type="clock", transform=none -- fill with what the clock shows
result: 1:39
